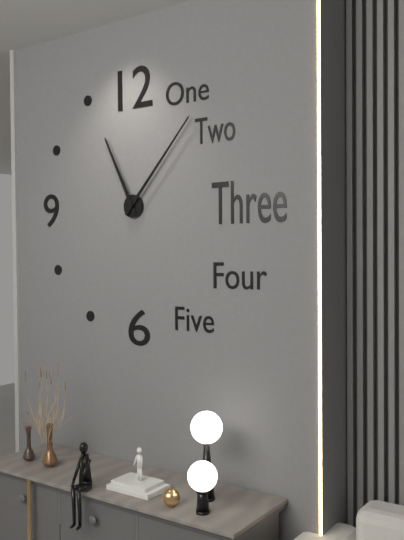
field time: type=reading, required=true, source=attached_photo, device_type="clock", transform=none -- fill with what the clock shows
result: 11:07
